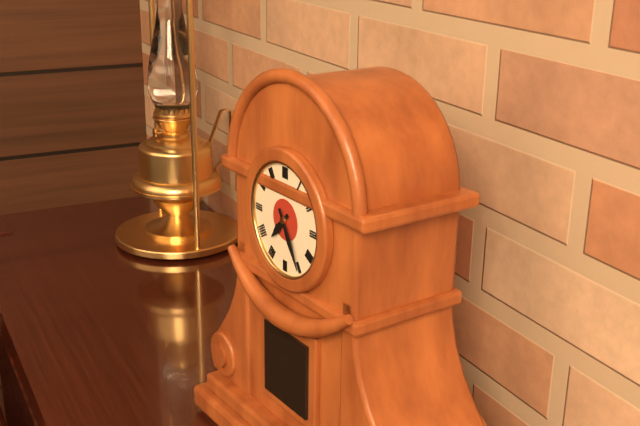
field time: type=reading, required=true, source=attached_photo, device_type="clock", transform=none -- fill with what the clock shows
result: 7:25
